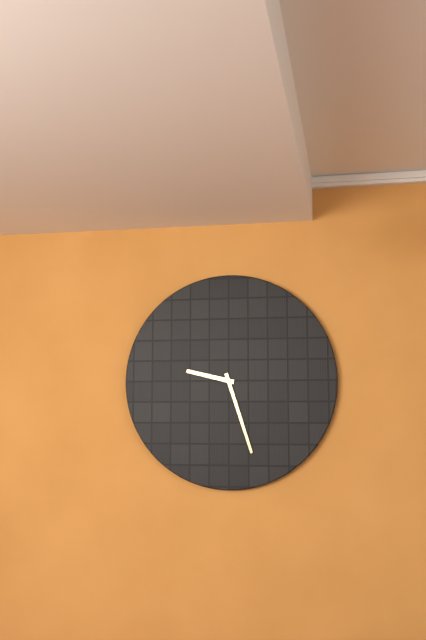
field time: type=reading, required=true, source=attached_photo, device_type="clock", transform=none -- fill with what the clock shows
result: 9:27
